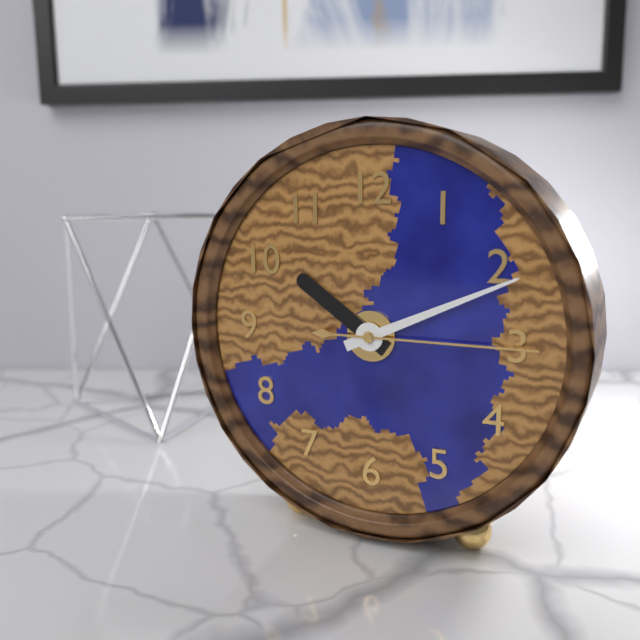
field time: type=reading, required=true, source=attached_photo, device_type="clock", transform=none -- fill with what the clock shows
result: 10:11:15
